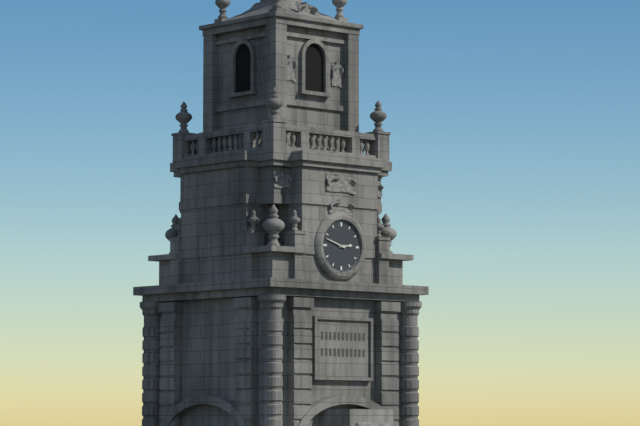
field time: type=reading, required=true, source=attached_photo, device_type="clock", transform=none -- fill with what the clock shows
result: 2:48
